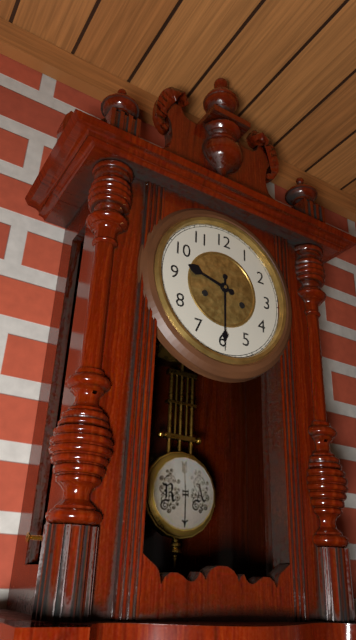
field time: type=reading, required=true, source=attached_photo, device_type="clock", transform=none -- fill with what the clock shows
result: 9:30
